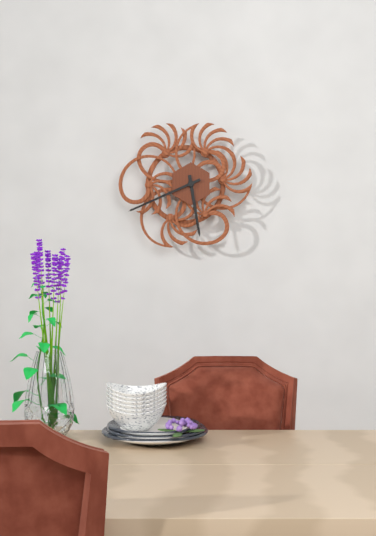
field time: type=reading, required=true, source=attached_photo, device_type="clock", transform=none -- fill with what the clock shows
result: 5:41
